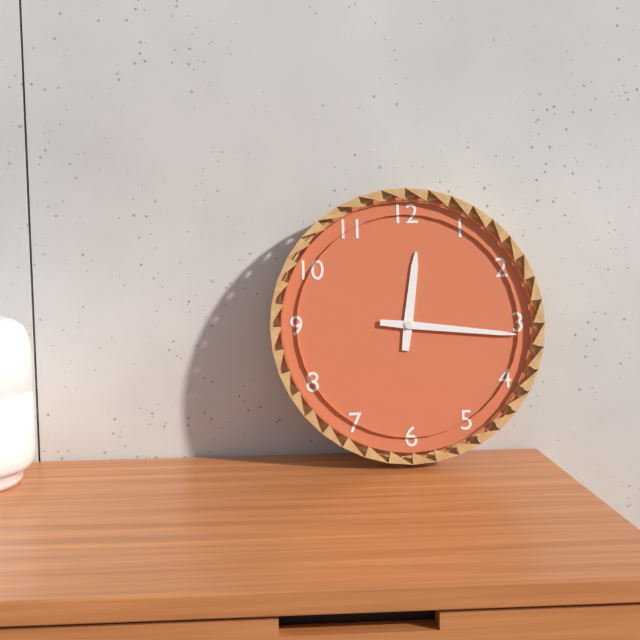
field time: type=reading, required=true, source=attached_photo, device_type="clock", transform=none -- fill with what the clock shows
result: 12:16
